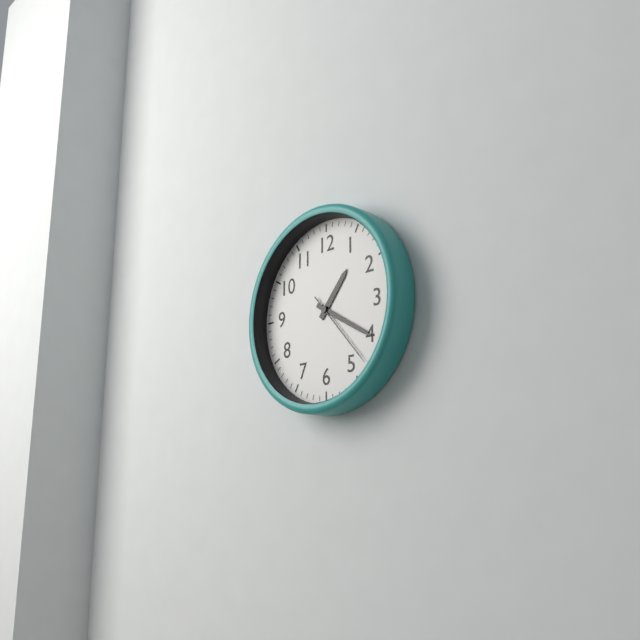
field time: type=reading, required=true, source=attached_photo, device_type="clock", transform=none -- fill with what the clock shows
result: 1:20:23
